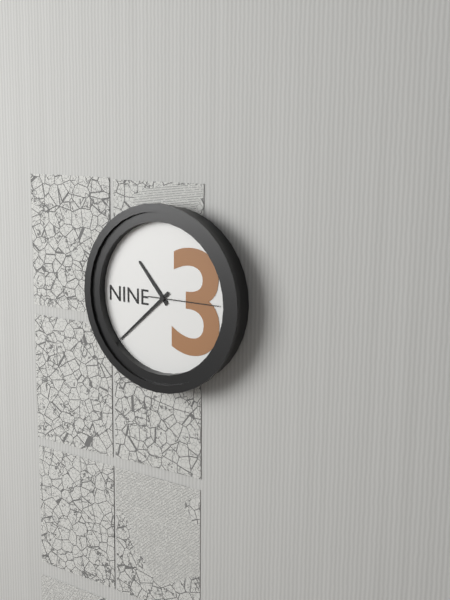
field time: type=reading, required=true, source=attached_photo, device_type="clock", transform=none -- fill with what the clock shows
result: 10:38:15
